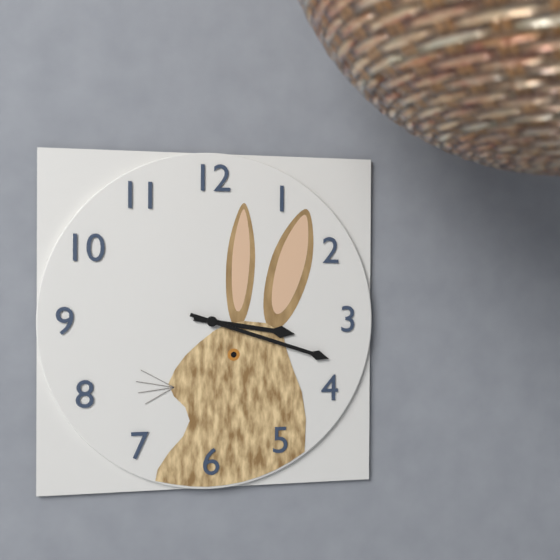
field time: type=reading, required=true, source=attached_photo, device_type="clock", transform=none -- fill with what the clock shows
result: 3:18
